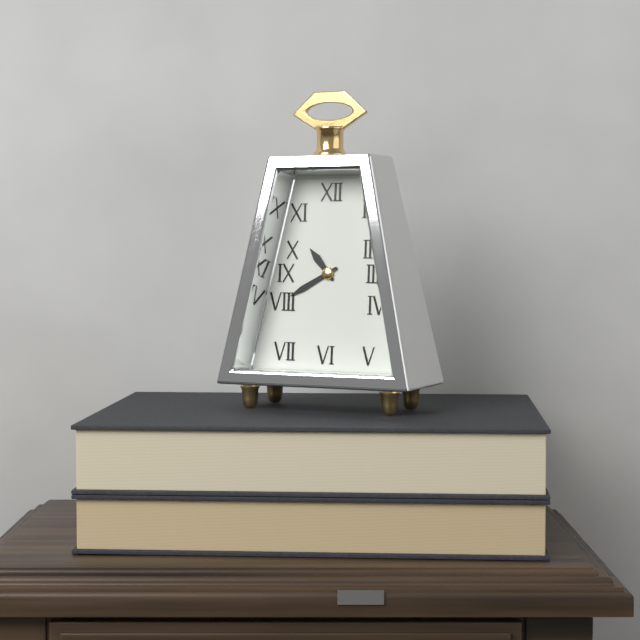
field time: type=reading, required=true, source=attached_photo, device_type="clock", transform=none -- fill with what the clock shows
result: 10:40
